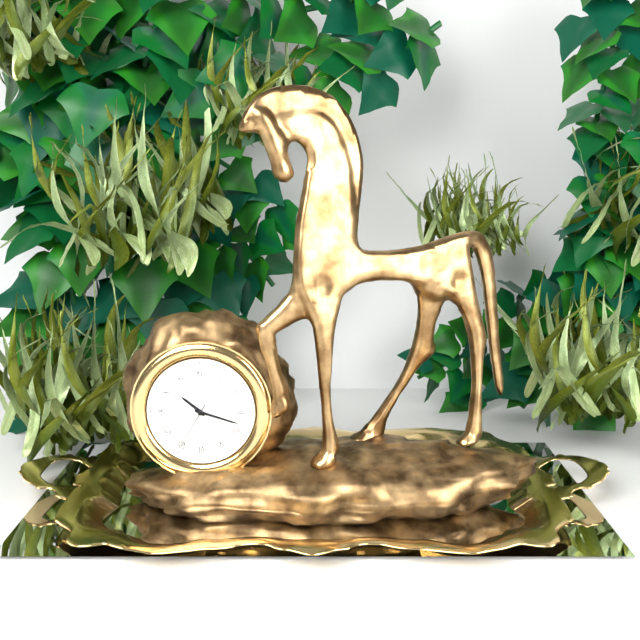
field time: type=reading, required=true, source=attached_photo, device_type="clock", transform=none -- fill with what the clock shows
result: 10:18:35
